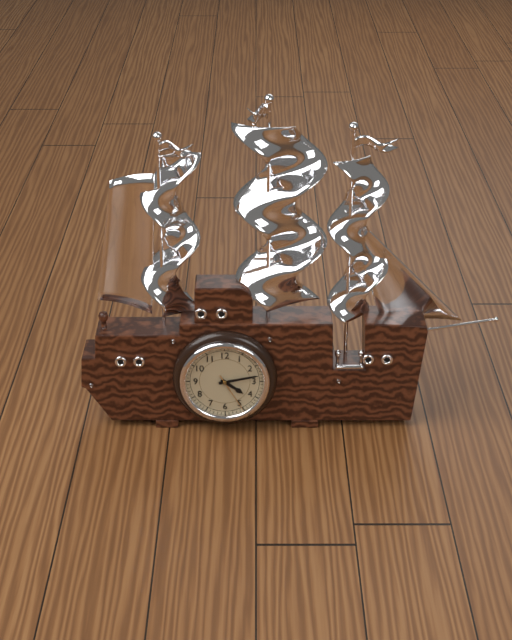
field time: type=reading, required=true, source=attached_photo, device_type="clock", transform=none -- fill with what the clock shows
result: 4:13
